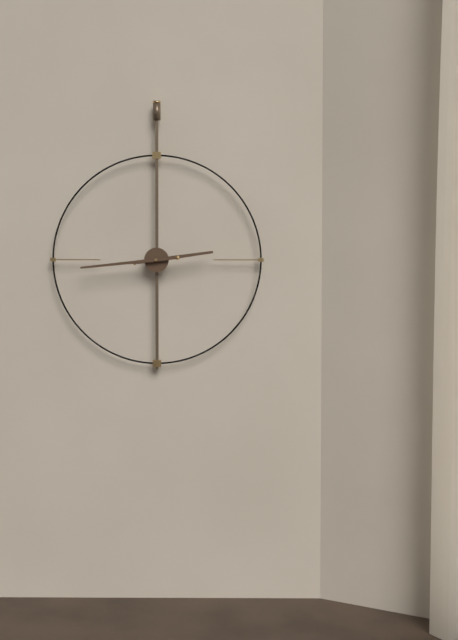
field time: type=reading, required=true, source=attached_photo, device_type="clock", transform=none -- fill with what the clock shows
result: 2:44
